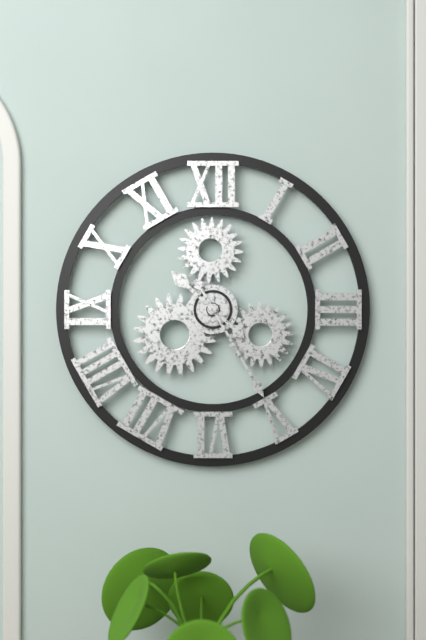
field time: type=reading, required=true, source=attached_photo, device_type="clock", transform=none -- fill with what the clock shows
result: 10:25
